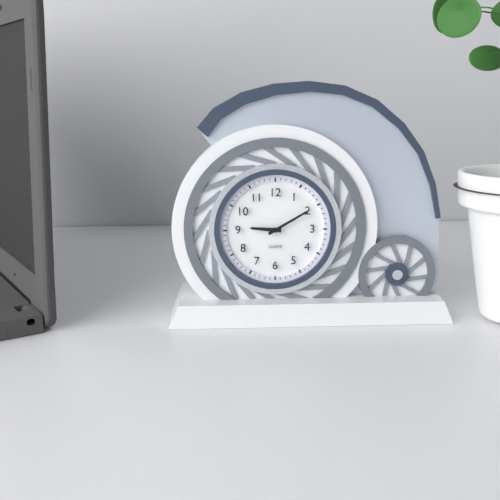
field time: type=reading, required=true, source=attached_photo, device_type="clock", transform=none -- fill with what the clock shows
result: 9:10
